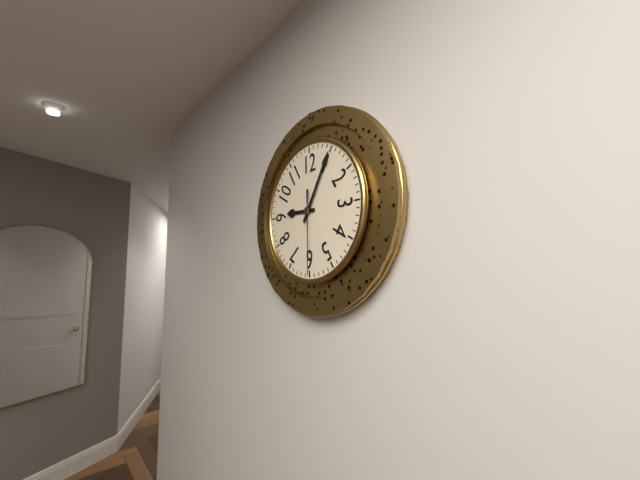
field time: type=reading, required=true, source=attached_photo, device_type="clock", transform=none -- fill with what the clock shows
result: 9:05:30
